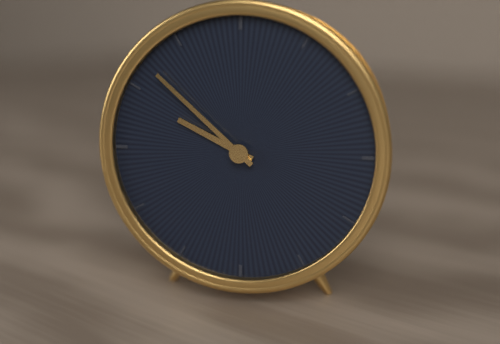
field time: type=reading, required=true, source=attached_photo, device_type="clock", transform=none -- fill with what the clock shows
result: 9:52
